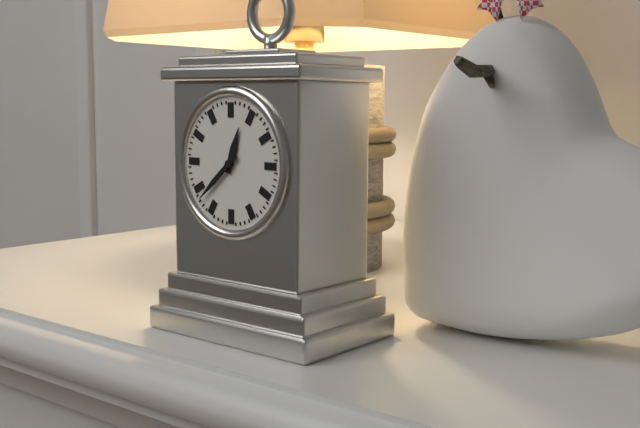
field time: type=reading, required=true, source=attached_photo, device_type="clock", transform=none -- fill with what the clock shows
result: 12:38
